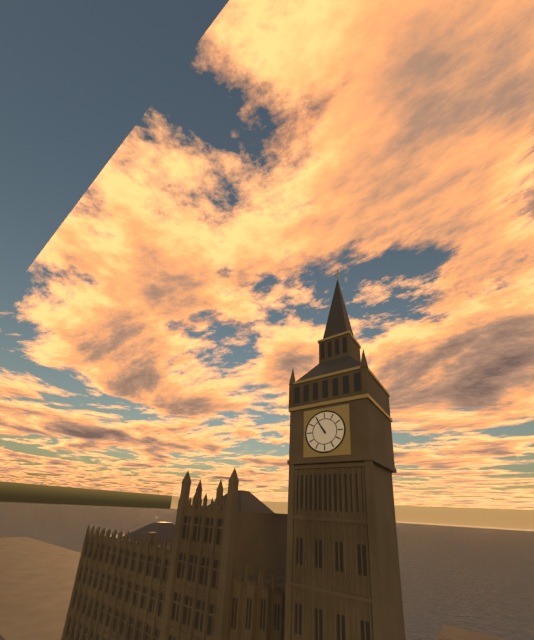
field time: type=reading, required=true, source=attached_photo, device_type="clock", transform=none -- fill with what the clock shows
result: 10:55
